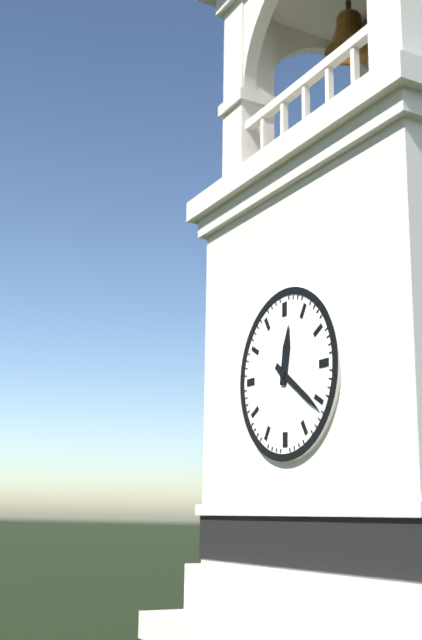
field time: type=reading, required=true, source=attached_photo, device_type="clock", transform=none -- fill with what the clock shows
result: 12:21
